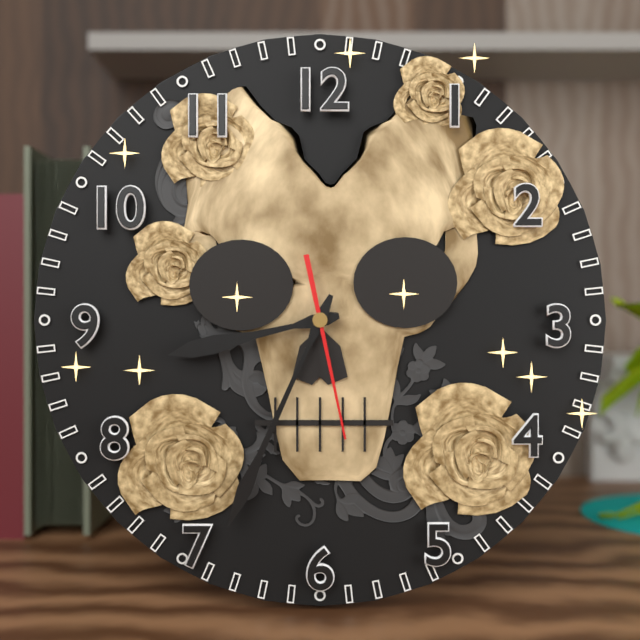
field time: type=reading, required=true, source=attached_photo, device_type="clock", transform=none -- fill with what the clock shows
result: 8:34:28
